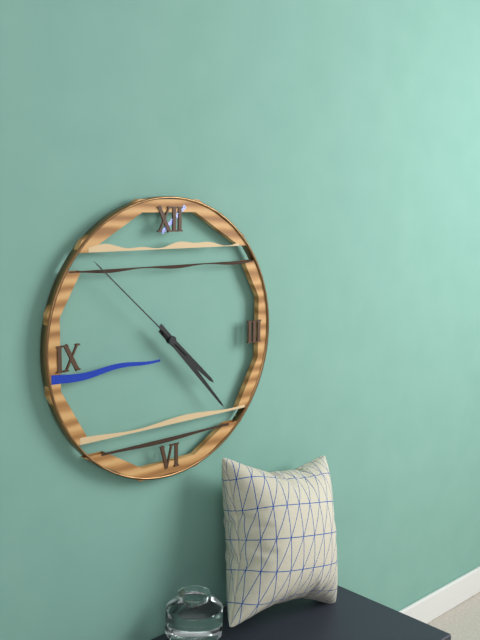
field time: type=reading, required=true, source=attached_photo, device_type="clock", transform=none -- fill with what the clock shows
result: 4:23:52
